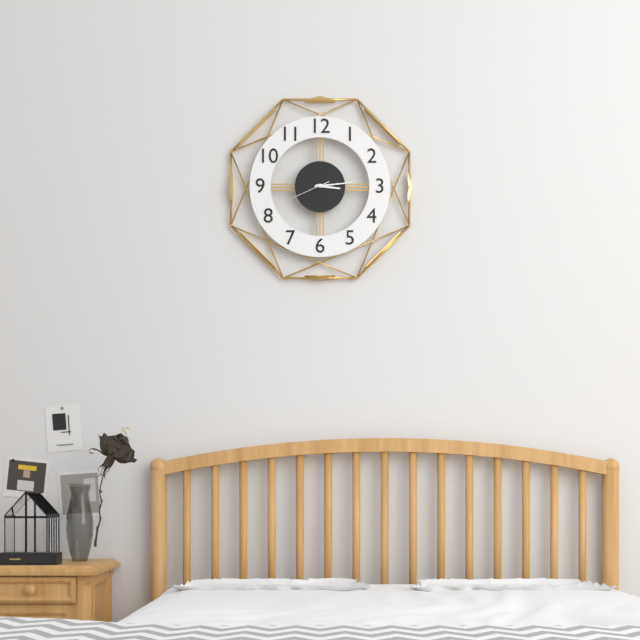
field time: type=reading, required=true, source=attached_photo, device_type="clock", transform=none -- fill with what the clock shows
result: 3:14
